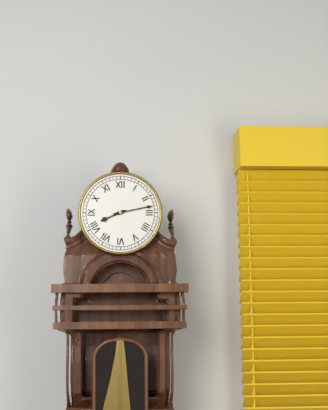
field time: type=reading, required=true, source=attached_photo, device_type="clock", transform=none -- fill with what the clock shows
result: 8:13
